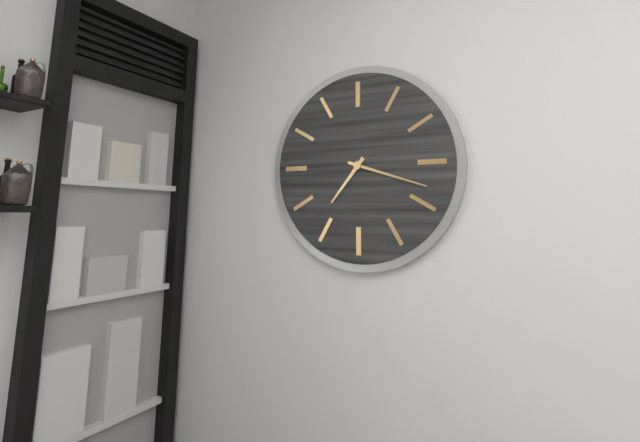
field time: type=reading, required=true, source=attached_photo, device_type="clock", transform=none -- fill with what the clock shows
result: 7:18
